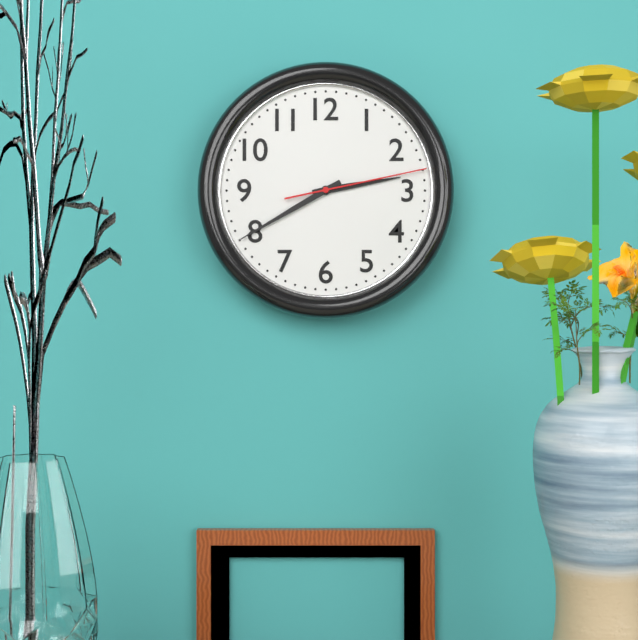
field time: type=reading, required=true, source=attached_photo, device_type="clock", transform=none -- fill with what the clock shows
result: 2:40:13
